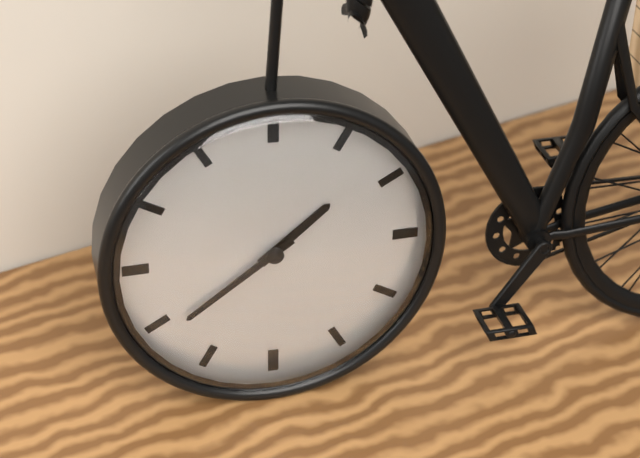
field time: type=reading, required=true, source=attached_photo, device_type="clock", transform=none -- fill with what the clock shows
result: 1:39
